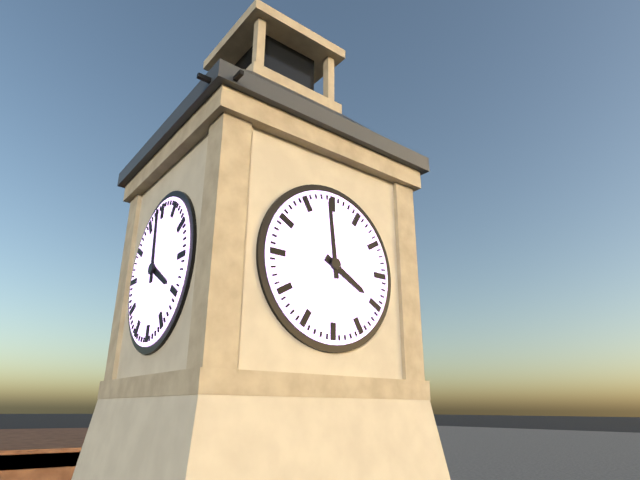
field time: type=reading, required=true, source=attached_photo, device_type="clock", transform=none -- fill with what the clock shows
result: 3:59
